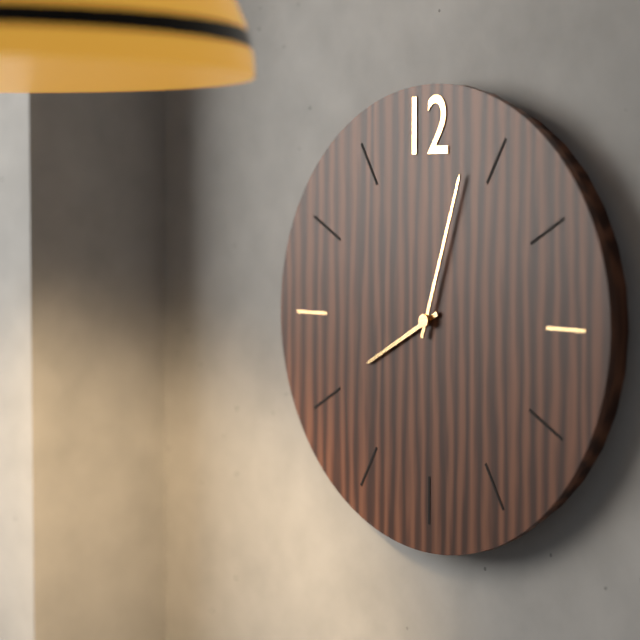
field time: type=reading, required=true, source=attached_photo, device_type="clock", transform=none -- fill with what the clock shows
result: 8:03
